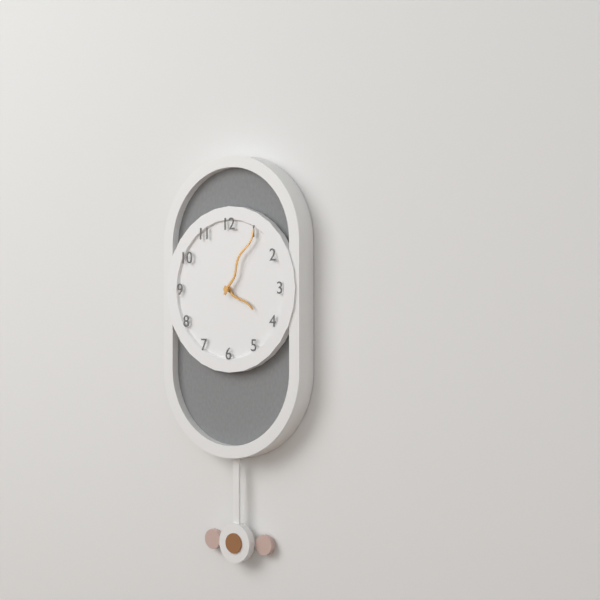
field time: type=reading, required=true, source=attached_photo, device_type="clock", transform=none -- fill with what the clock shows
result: 4:05
